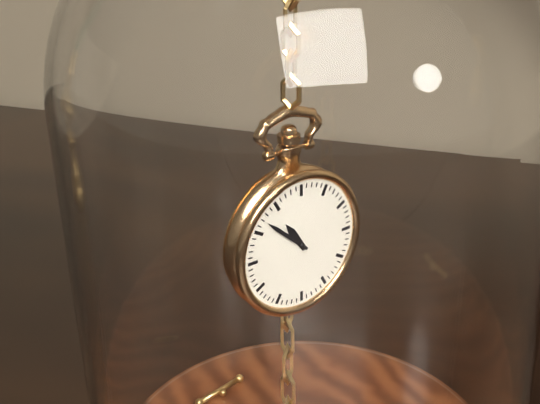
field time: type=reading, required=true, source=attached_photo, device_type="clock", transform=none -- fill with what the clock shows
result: 10:52
